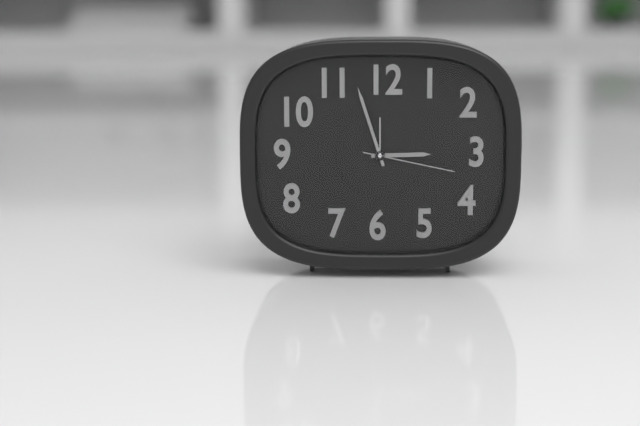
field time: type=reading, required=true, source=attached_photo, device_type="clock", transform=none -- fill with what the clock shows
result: 2:57:17
